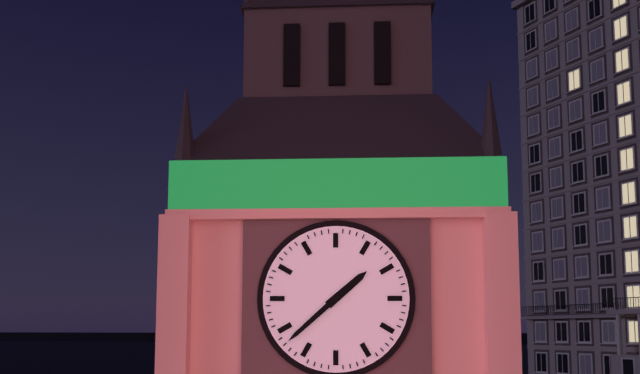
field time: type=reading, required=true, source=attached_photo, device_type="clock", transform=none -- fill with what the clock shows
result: 1:38
